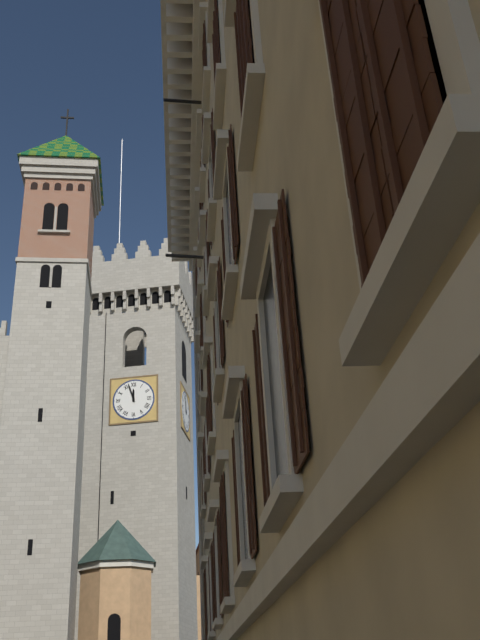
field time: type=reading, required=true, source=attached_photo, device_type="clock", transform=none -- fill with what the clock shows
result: 11:57
